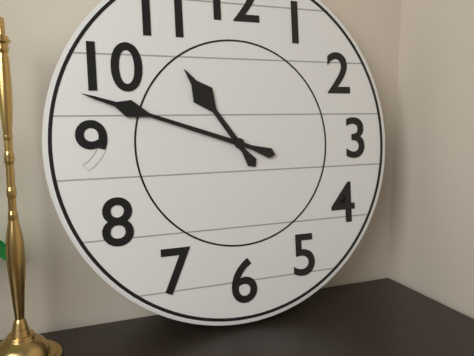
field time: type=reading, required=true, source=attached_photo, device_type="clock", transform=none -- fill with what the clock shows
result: 10:48
